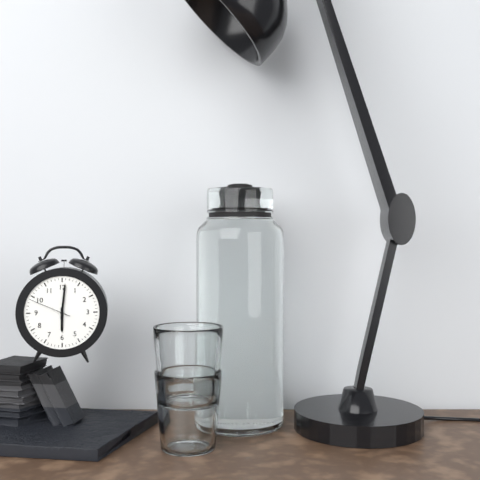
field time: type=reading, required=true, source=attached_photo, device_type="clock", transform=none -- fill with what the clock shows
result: 6:01
